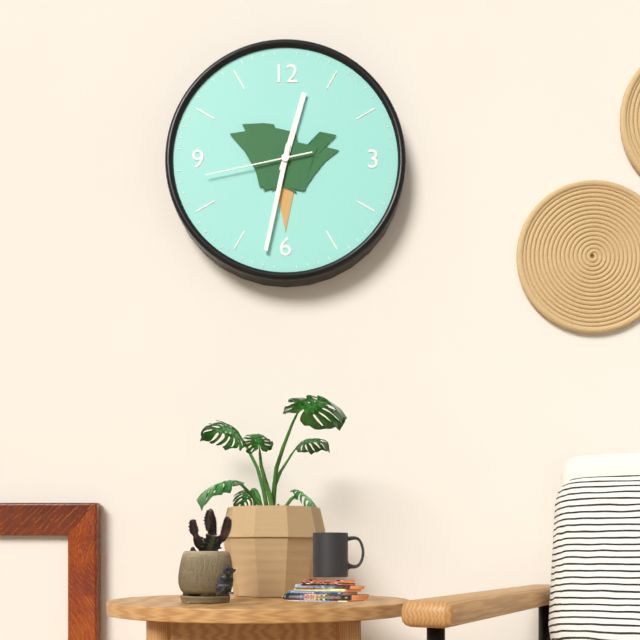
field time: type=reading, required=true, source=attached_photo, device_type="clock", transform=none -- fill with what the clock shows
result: 12:32:43
